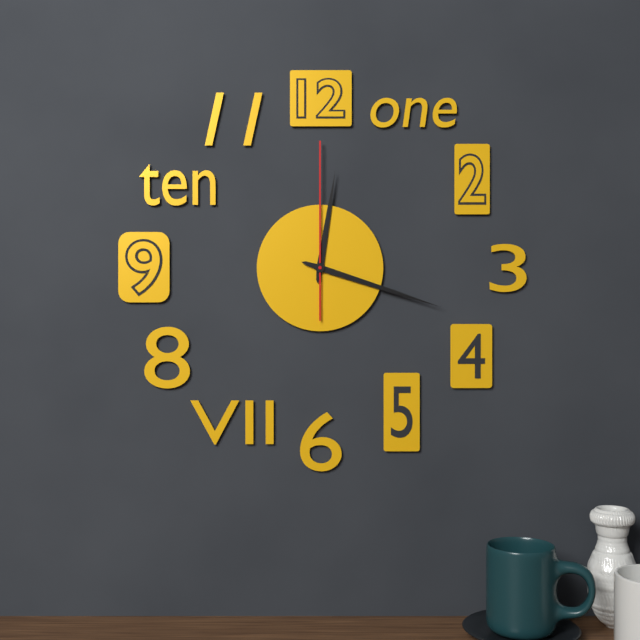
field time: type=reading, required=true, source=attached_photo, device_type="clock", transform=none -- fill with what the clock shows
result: 12:18:00
